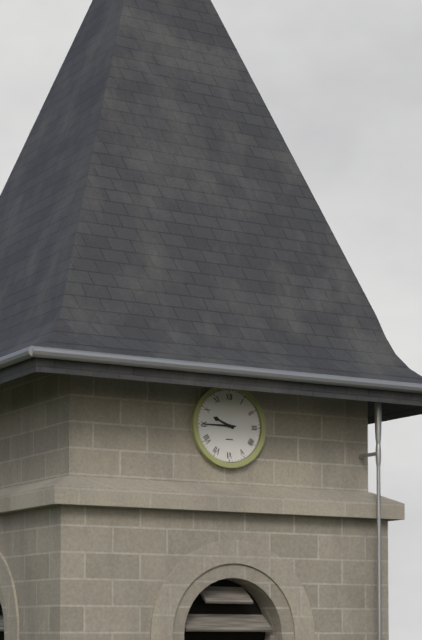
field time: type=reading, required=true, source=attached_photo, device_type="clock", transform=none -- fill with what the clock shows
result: 9:45
